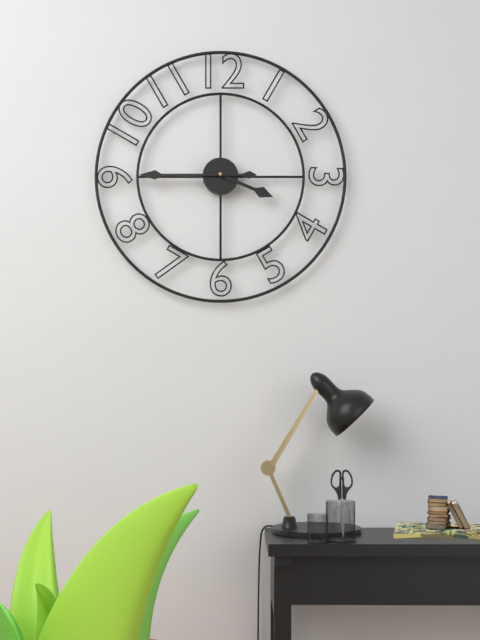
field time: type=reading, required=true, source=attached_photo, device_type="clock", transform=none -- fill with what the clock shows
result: 3:45
